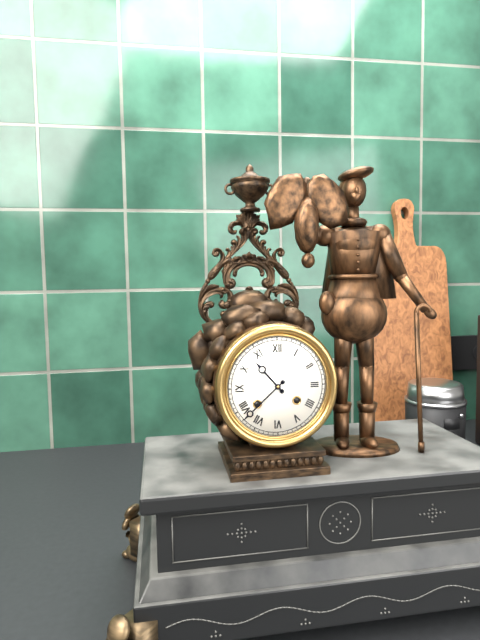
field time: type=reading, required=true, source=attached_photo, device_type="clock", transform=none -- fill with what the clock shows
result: 10:38
